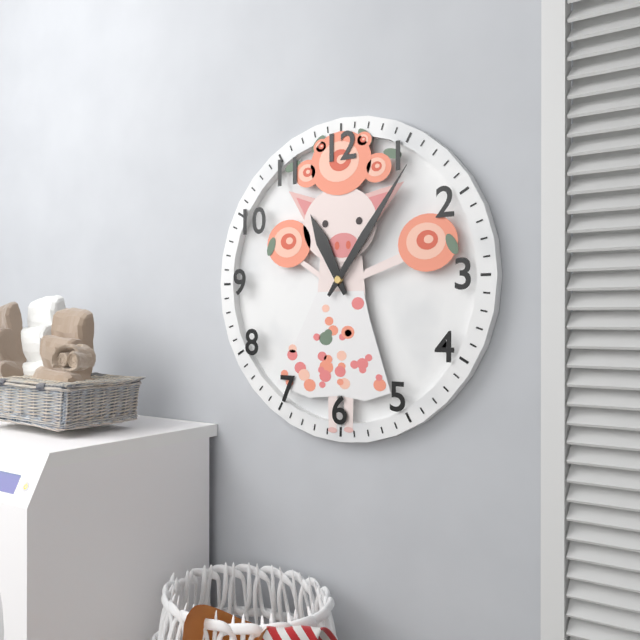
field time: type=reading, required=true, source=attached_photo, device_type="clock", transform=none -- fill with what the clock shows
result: 11:06
